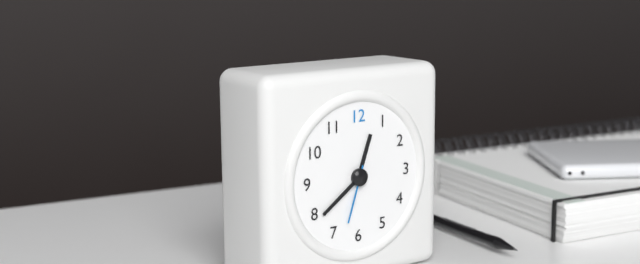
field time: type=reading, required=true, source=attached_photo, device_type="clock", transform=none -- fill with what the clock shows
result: 12:39:33
